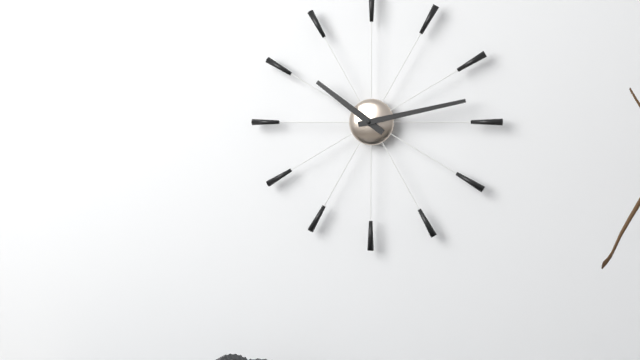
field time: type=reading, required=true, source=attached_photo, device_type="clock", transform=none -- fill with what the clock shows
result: 10:13
